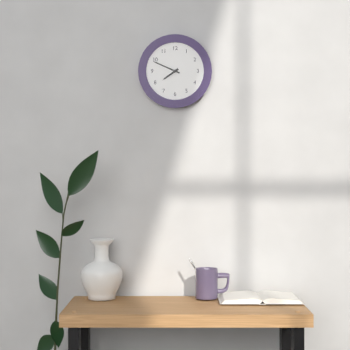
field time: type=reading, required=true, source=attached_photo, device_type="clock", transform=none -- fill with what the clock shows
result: 7:49
